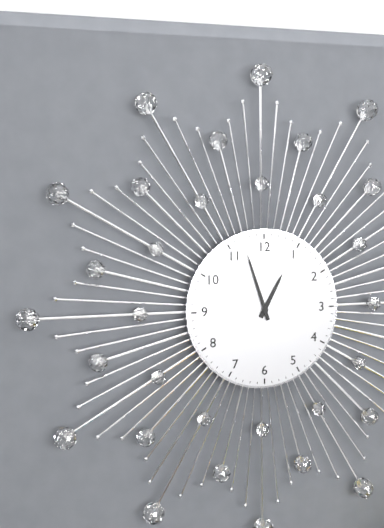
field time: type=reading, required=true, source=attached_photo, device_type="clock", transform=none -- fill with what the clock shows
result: 12:57
